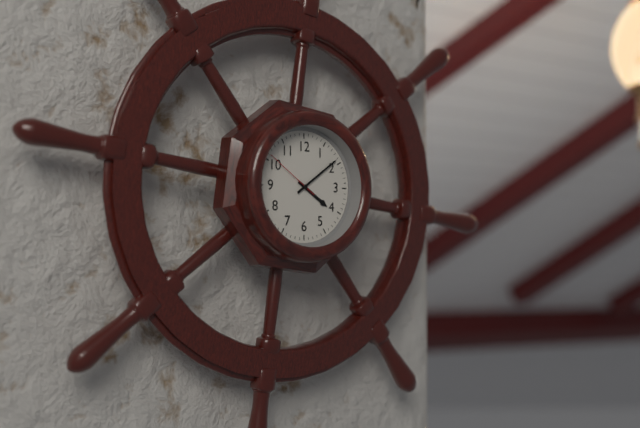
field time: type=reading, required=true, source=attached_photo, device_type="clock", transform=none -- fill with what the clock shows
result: 4:09:51
